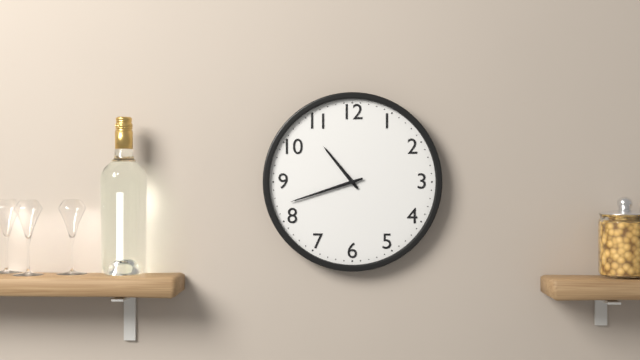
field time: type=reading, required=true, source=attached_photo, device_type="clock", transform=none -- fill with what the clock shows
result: 10:42
